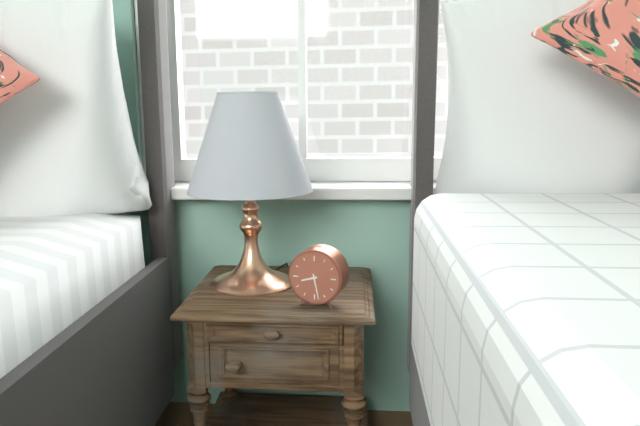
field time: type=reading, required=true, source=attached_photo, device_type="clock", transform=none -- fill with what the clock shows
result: 8:28
